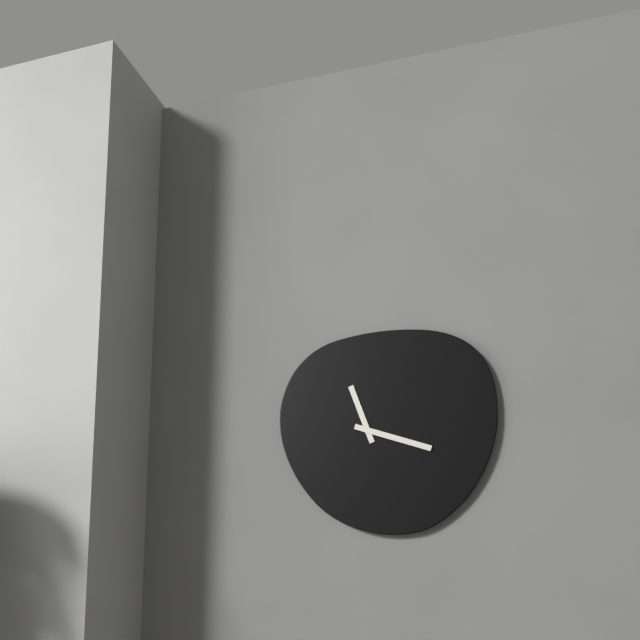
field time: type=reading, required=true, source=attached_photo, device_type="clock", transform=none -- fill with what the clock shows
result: 11:18
